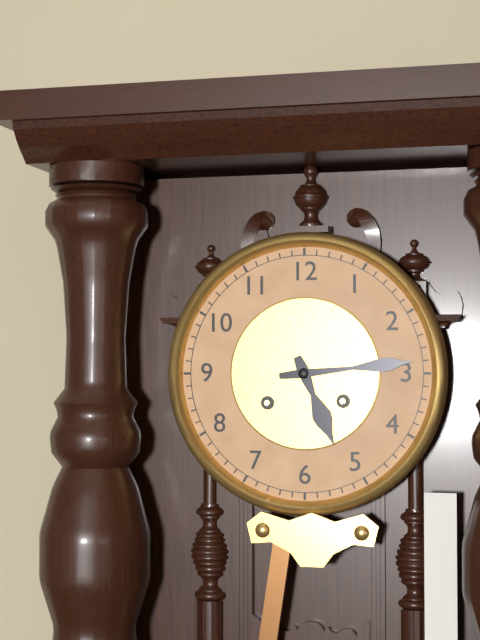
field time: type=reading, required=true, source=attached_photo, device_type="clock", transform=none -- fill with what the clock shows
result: 5:14
